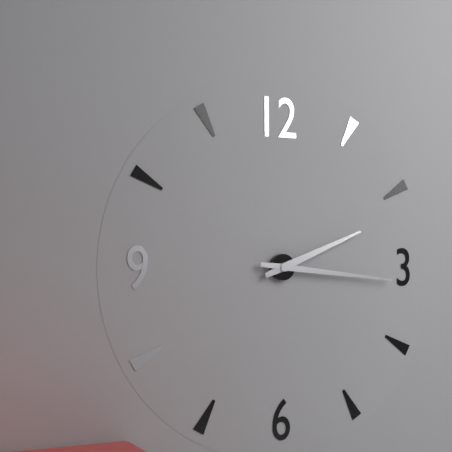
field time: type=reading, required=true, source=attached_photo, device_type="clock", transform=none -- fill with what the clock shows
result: 2:16
